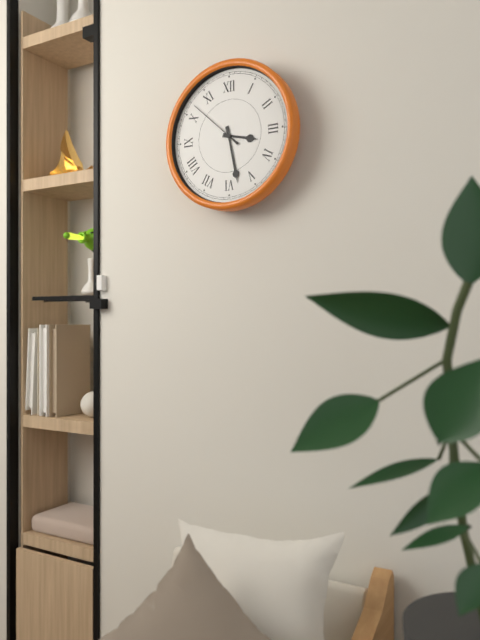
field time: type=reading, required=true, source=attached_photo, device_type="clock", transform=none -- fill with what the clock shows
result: 3:28:52
